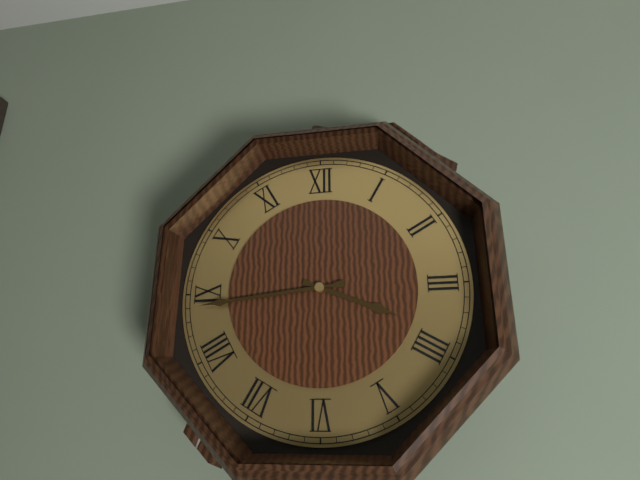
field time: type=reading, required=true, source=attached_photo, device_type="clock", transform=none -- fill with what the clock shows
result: 3:44
